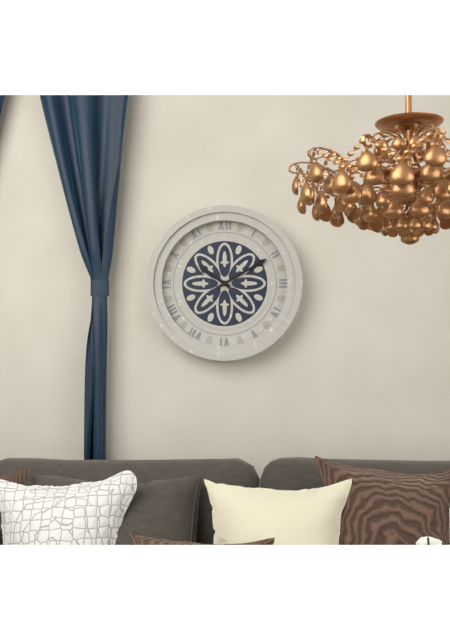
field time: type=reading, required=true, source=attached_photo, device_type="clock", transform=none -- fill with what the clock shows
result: 10:10
